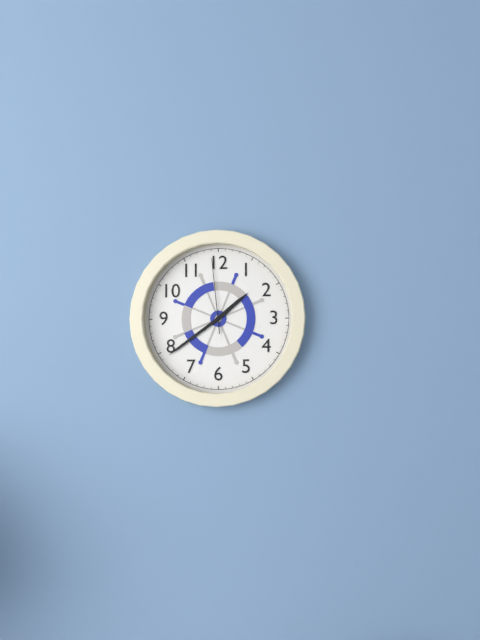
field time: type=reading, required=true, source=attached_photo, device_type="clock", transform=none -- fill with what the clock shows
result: 1:39:59
